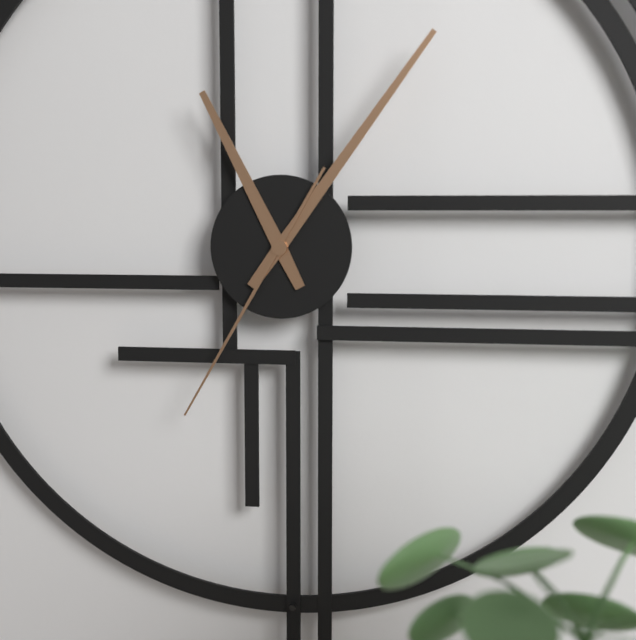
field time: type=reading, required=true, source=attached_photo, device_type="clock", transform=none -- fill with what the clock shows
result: 11:06:35
